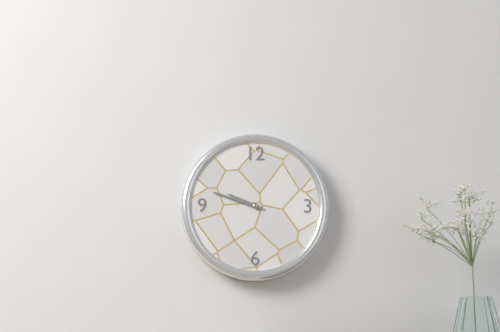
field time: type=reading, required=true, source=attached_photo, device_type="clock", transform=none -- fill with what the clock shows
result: 9:48
